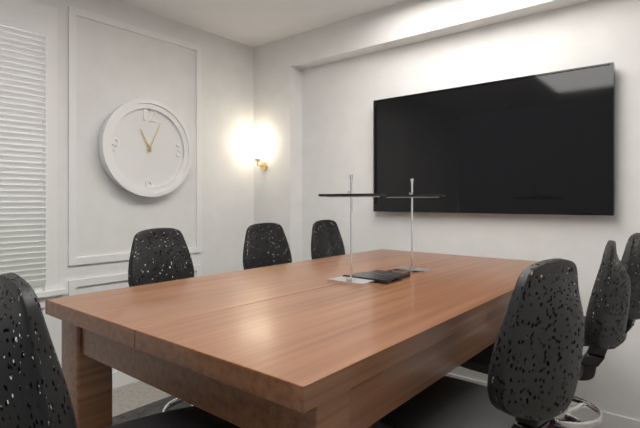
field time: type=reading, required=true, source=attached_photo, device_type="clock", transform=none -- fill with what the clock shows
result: 11:04
